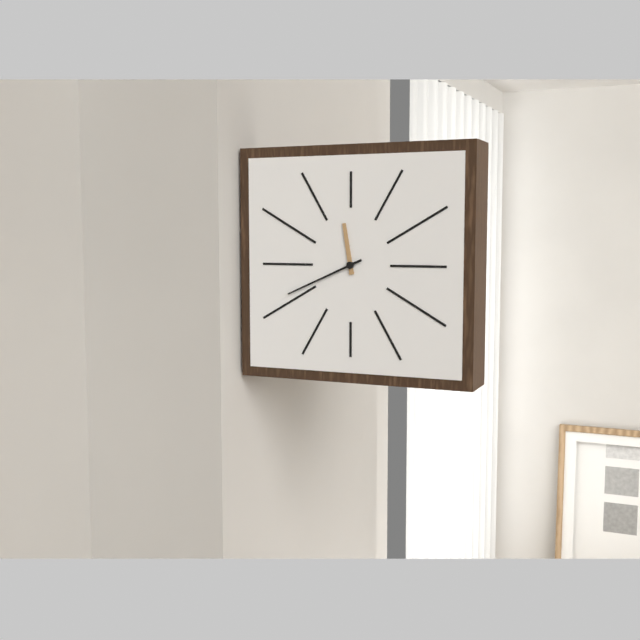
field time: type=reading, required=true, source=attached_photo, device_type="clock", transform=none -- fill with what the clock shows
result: 11:41
